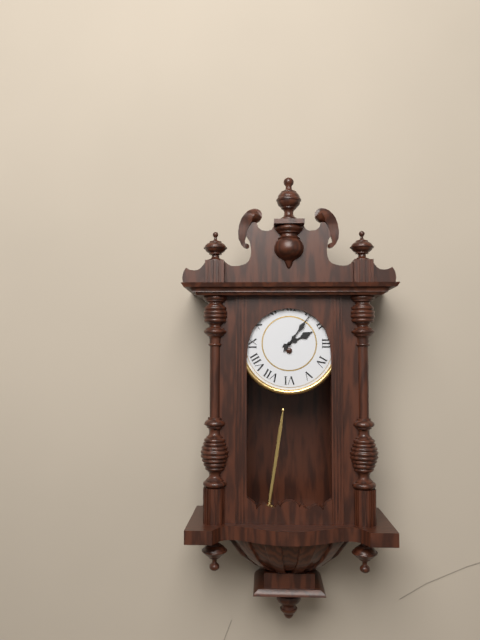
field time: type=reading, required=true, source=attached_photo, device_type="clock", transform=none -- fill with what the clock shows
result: 2:06
